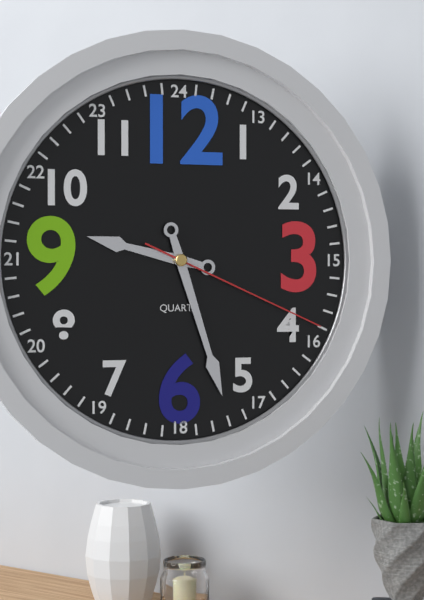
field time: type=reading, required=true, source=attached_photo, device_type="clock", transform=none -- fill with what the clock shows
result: 9:27:19
